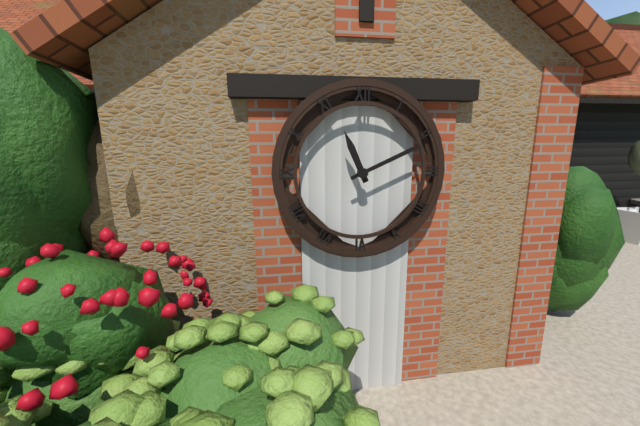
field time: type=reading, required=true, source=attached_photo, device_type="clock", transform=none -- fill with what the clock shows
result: 11:11
